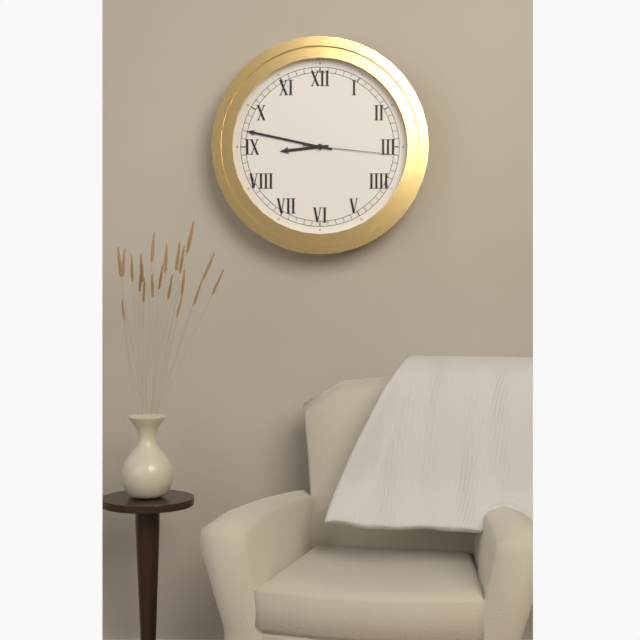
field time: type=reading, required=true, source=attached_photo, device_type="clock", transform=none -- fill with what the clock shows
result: 8:47:16
